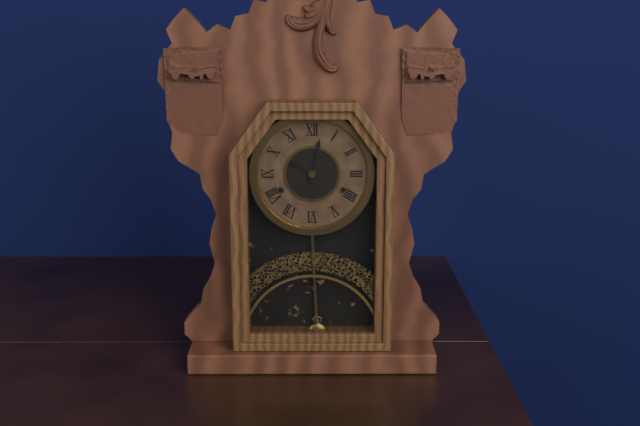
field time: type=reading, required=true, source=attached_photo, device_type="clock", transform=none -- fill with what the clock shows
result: 10:02
